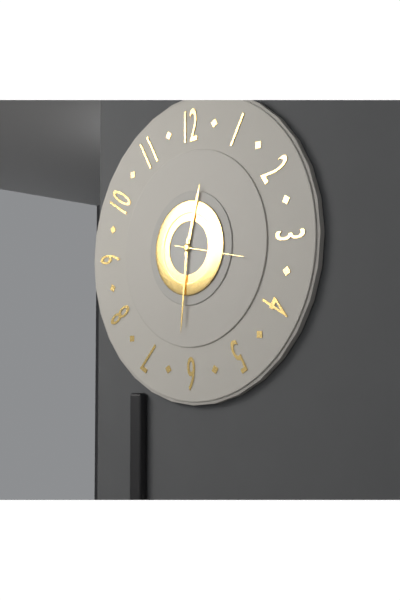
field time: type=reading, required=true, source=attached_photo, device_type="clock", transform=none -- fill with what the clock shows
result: 12:31:17
